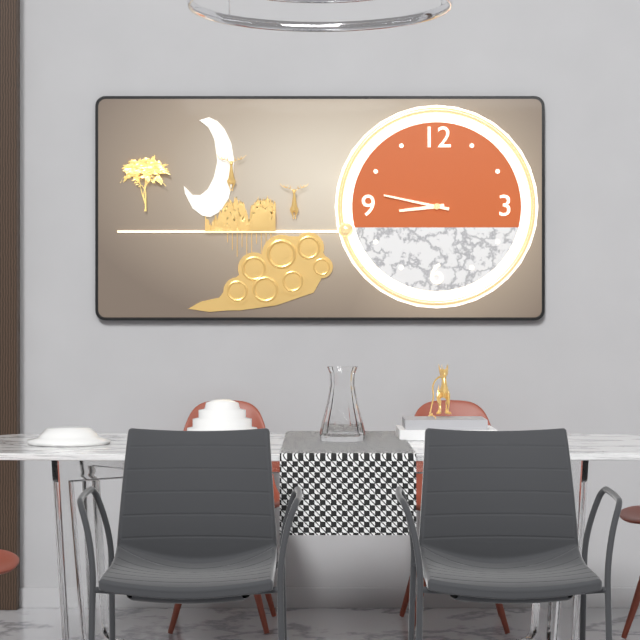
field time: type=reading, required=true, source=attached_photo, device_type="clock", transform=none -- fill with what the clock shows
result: 8:47
